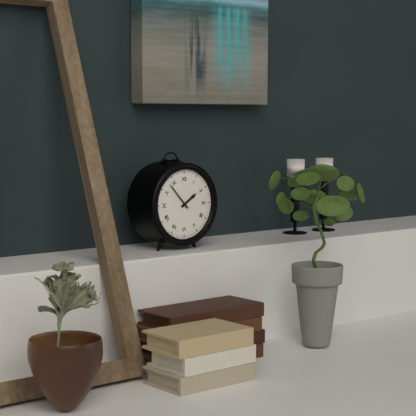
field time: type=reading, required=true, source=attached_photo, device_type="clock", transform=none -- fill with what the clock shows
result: 1:53
